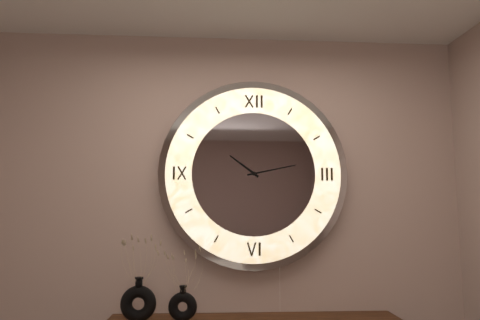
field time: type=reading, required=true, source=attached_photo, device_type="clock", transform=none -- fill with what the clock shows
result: 10:13
